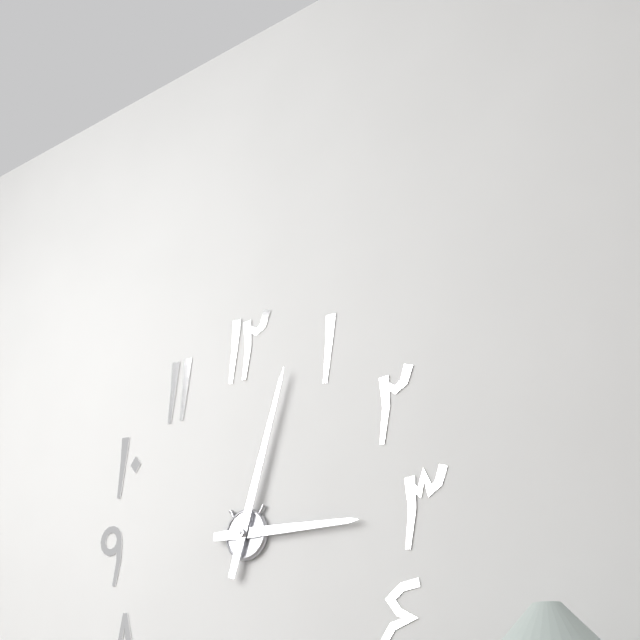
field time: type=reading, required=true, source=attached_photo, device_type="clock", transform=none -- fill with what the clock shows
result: 3:03
